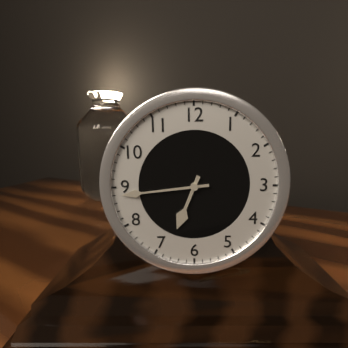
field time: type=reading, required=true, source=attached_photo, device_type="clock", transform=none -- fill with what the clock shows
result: 6:44
